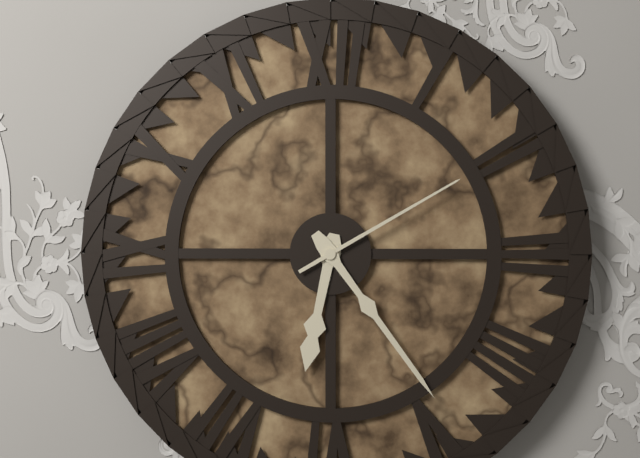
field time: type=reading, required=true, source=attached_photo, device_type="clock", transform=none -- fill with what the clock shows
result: 6:24:10
